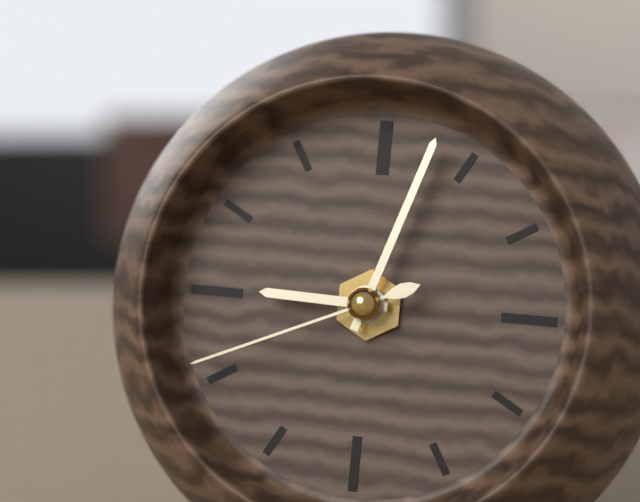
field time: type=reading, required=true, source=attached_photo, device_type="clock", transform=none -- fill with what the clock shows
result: 9:03:41
